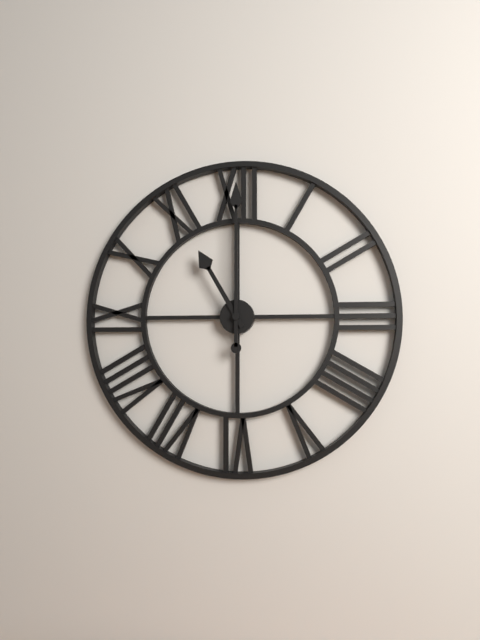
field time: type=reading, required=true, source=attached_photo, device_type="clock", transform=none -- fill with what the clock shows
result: 11:00
